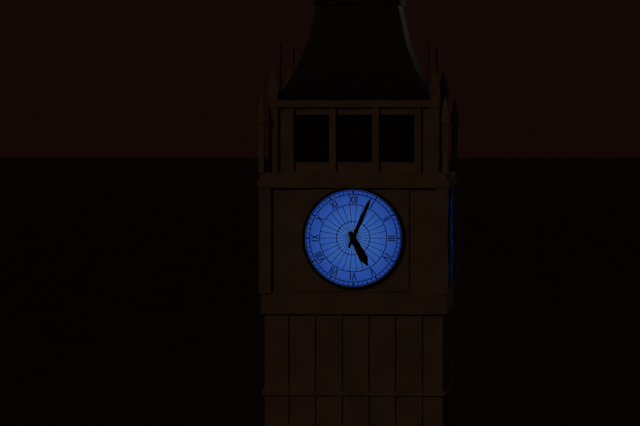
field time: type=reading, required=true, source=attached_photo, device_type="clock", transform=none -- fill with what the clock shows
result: 5:04
